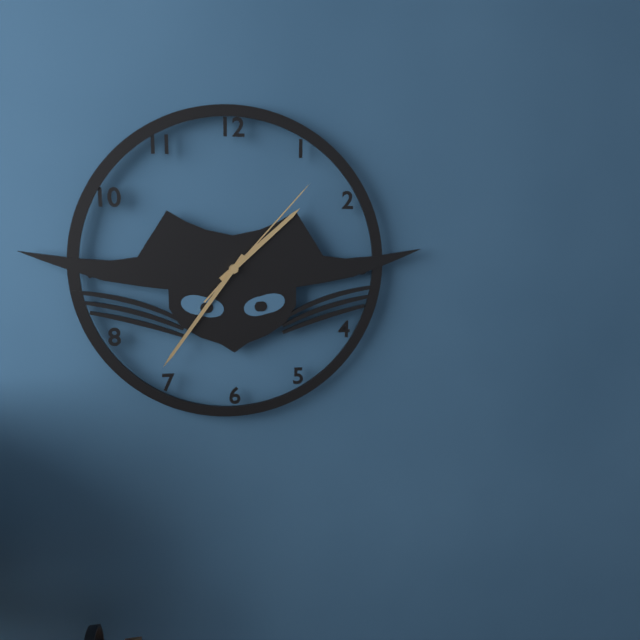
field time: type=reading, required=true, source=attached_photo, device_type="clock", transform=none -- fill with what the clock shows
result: 1:36:07
